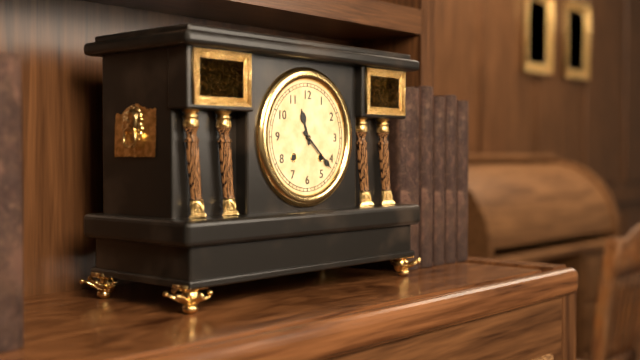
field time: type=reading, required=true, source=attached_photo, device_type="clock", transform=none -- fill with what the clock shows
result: 11:22
